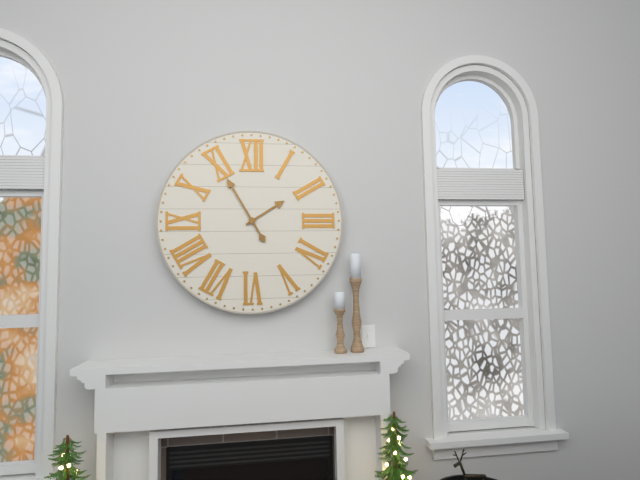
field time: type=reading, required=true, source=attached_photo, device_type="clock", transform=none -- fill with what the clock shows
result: 1:55
